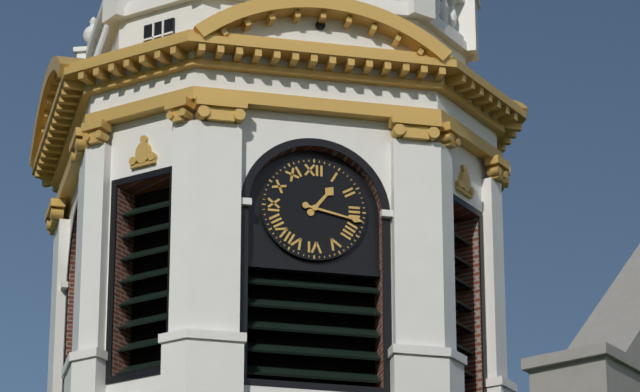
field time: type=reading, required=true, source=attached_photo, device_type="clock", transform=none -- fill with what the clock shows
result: 1:17
